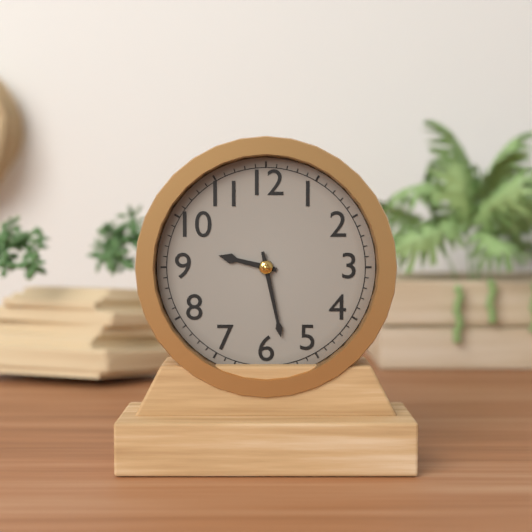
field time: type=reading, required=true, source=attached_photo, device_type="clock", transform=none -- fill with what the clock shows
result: 9:28
